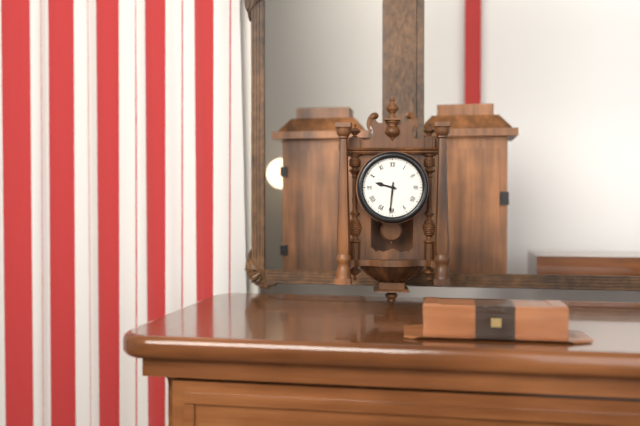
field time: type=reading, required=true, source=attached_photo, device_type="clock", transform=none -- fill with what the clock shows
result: 9:31
